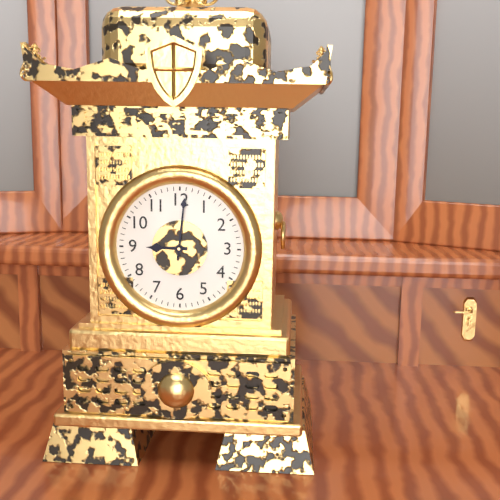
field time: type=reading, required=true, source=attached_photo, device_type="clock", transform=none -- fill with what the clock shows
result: 9:01
